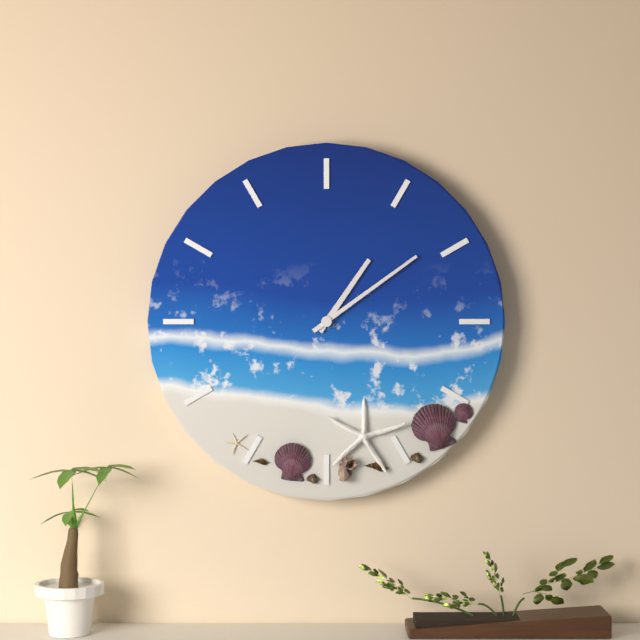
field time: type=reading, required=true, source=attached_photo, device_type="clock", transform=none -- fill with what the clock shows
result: 1:09
